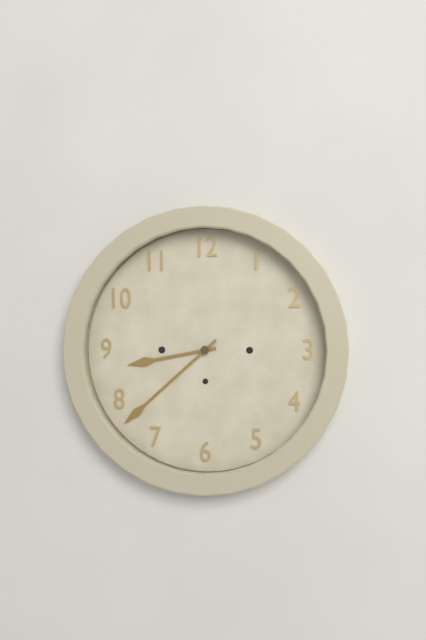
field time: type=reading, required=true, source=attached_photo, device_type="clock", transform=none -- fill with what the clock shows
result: 8:38
